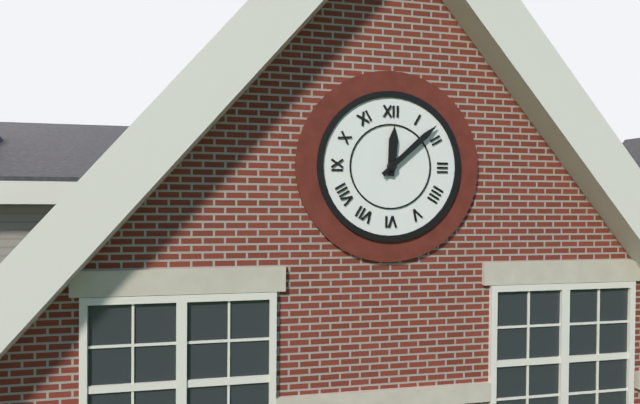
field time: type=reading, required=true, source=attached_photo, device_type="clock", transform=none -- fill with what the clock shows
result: 12:08
